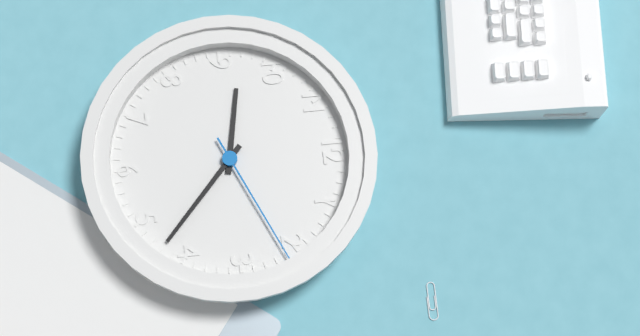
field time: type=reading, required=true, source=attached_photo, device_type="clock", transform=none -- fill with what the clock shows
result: 9:22:11
